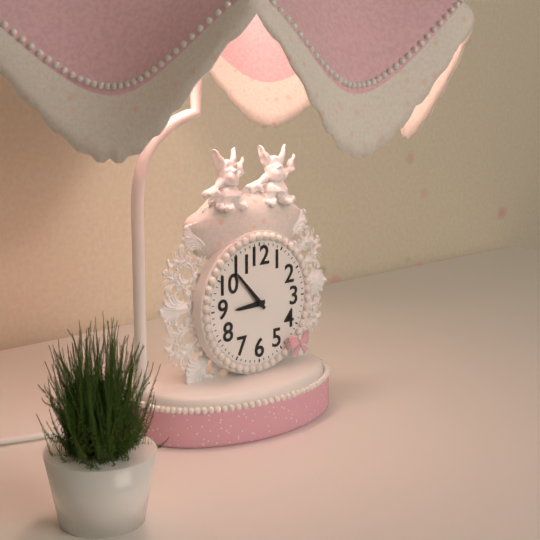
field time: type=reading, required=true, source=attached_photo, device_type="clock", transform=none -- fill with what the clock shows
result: 8:53
